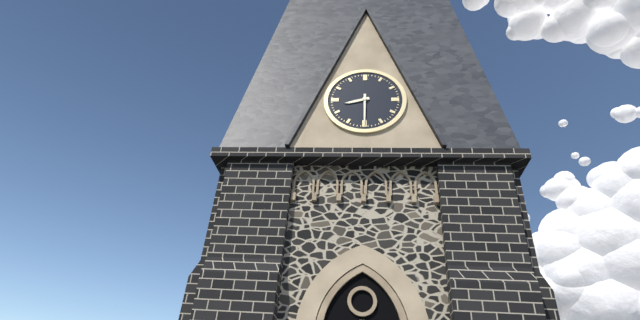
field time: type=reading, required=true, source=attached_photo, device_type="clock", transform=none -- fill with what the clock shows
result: 8:30
